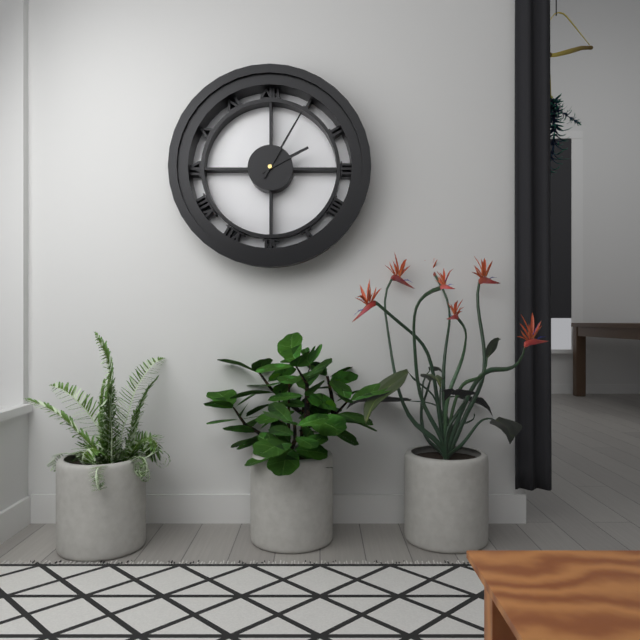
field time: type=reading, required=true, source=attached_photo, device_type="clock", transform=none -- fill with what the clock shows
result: 2:05
